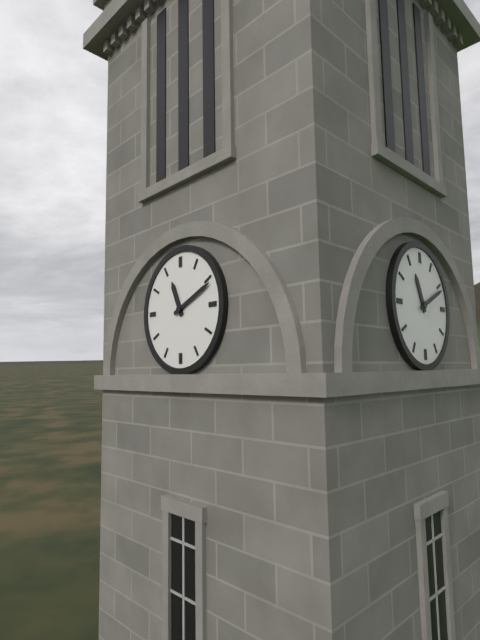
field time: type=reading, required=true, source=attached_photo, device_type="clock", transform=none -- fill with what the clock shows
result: 11:11
